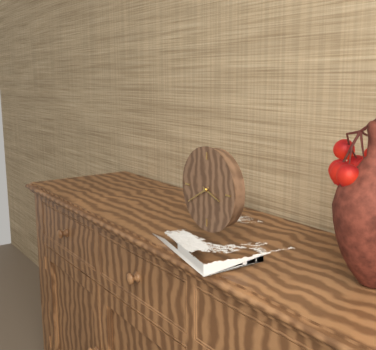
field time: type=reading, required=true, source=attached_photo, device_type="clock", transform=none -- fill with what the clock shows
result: 3:40
